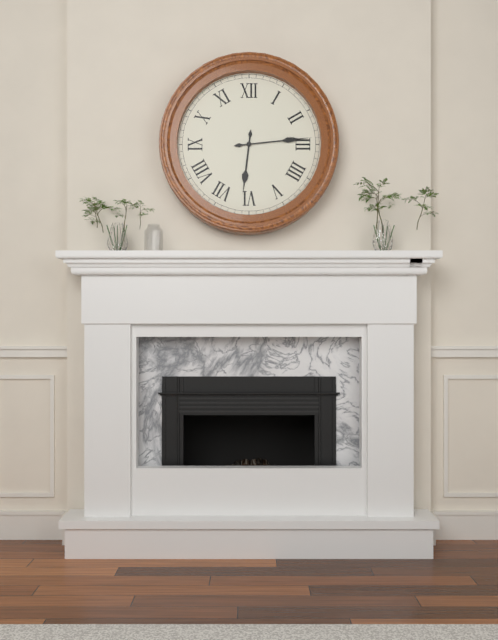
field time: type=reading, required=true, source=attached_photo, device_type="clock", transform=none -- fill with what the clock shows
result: 6:14
